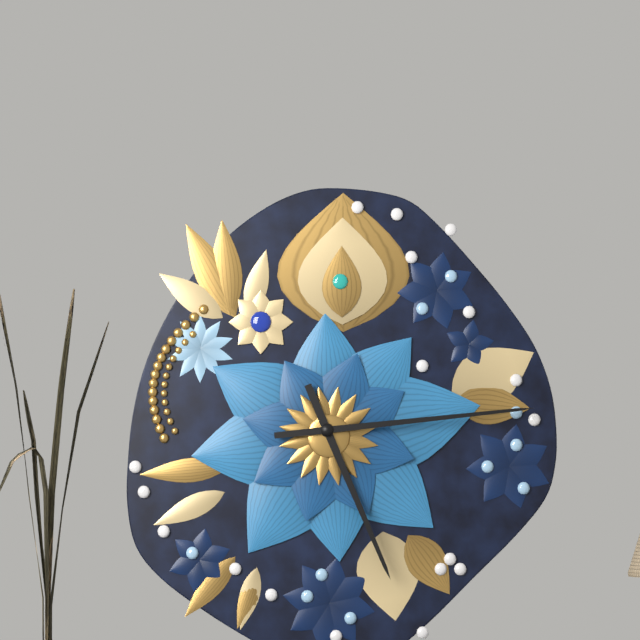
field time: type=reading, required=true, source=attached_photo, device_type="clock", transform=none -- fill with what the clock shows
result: 5:14
